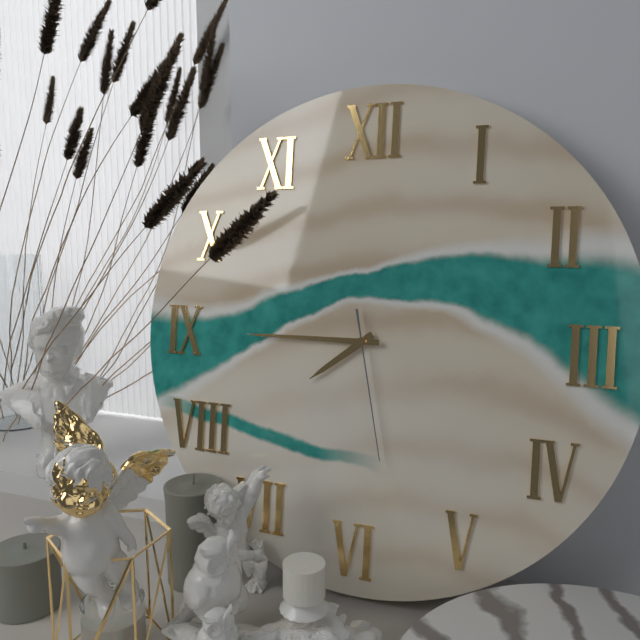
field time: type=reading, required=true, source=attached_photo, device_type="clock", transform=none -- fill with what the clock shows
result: 7:45:28
